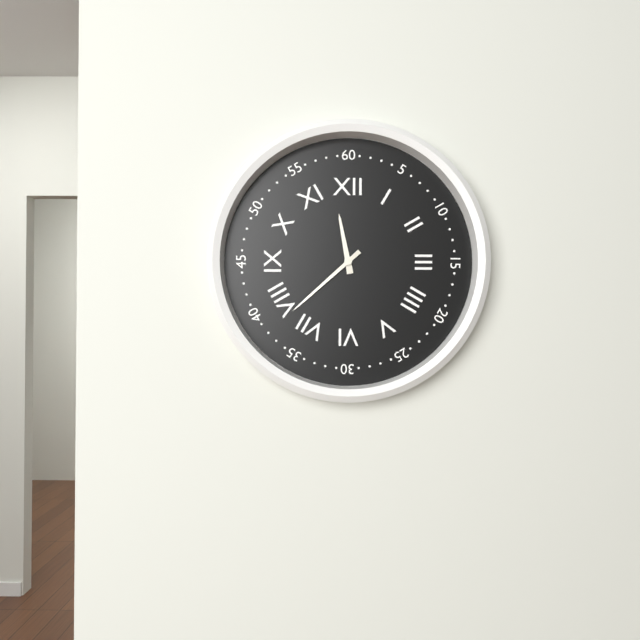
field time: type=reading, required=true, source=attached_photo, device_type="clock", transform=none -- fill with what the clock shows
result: 11:38
